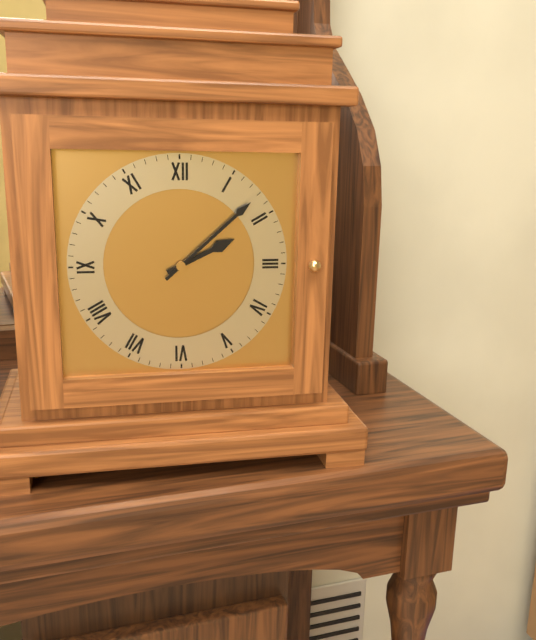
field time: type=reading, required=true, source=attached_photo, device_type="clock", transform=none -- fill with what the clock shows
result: 2:08
